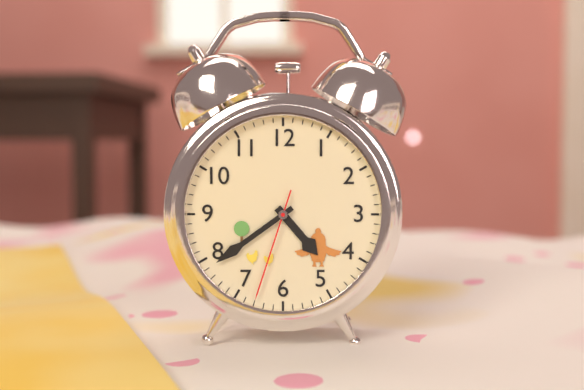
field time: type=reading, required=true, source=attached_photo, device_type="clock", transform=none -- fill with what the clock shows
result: 4:39:33
